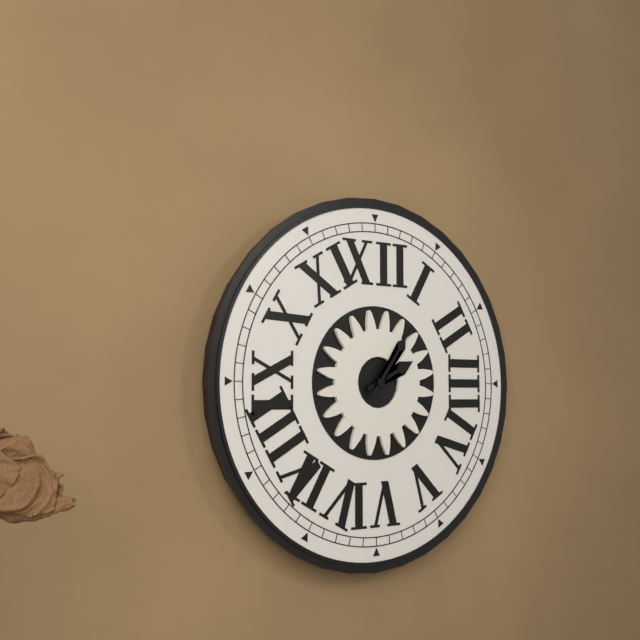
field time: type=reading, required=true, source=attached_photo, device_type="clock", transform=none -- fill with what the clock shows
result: 2:06
